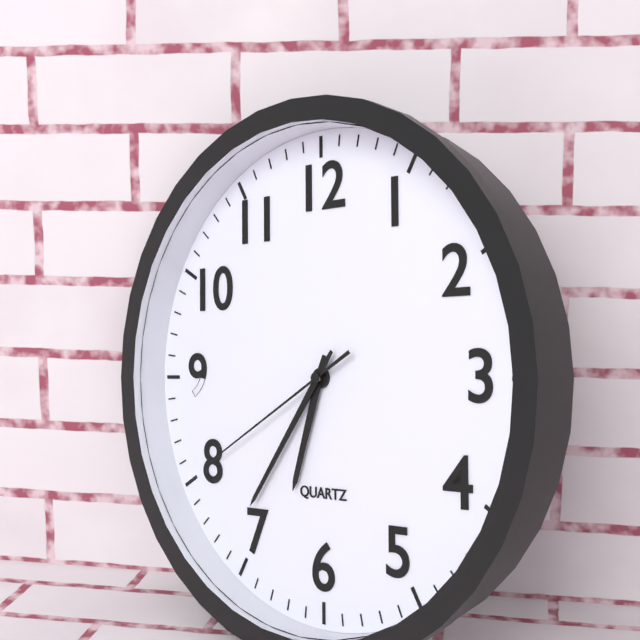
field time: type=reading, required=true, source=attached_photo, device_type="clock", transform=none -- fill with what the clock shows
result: 6:36:40
